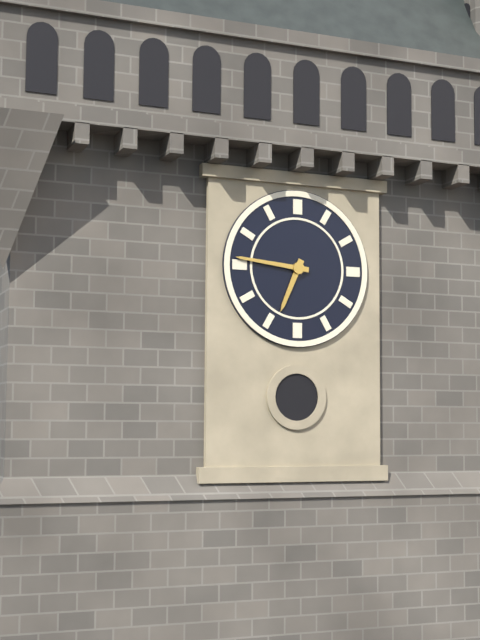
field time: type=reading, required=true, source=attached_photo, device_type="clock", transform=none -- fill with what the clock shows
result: 6:46
